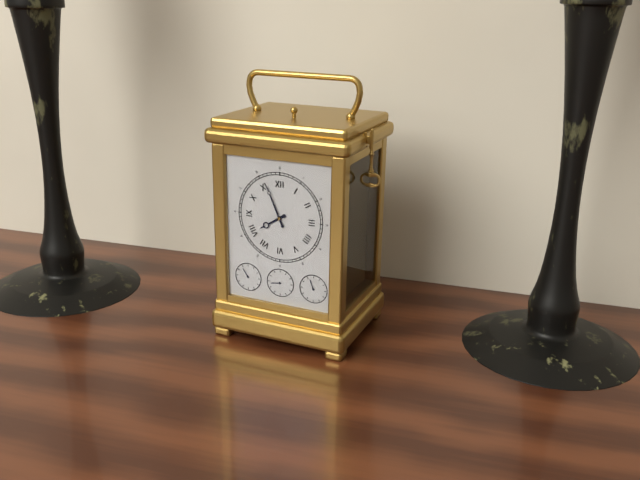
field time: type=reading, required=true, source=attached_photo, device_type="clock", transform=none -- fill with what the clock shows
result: 7:56
